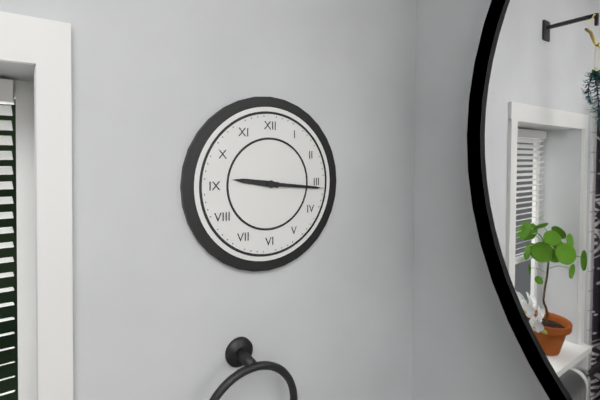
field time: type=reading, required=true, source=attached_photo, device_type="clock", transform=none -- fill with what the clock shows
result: 9:16
